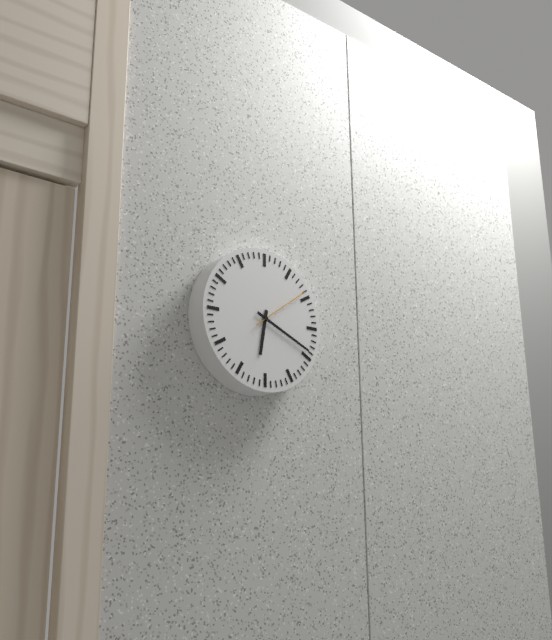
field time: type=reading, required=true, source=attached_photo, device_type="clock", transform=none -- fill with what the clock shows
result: 6:19:09
